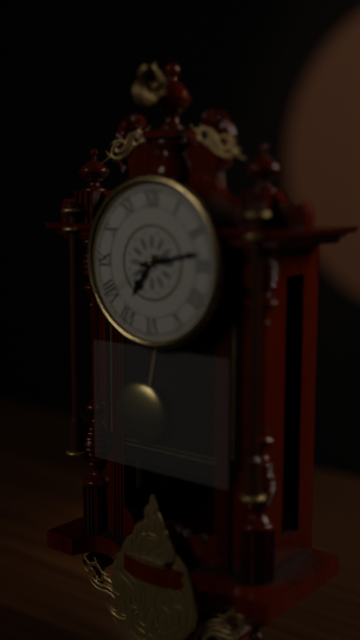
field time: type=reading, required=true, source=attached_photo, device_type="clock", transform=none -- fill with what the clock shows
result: 7:13:40
